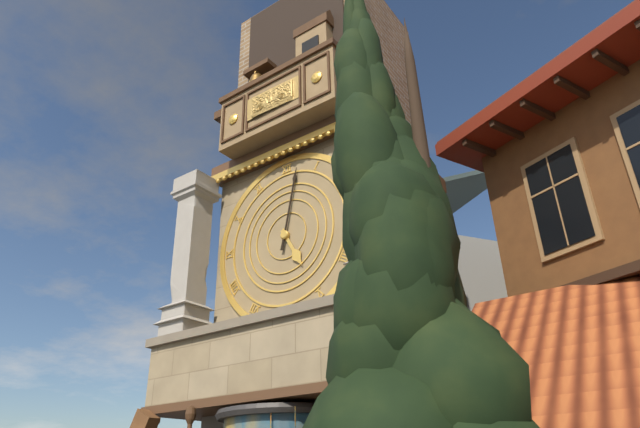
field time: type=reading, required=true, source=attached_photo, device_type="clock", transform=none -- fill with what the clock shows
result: 5:02
